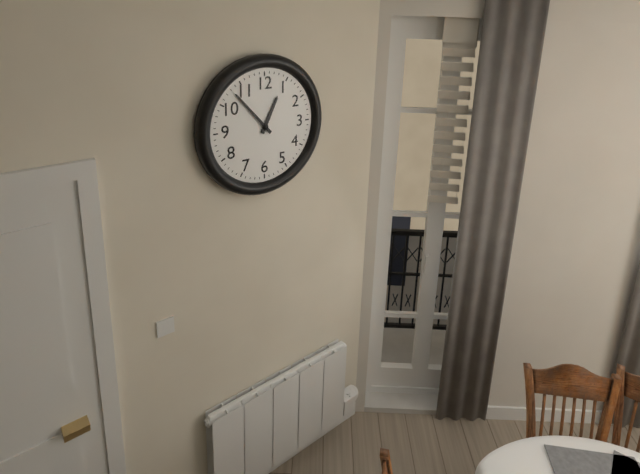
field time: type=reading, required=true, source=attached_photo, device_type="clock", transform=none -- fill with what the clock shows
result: 12:53
